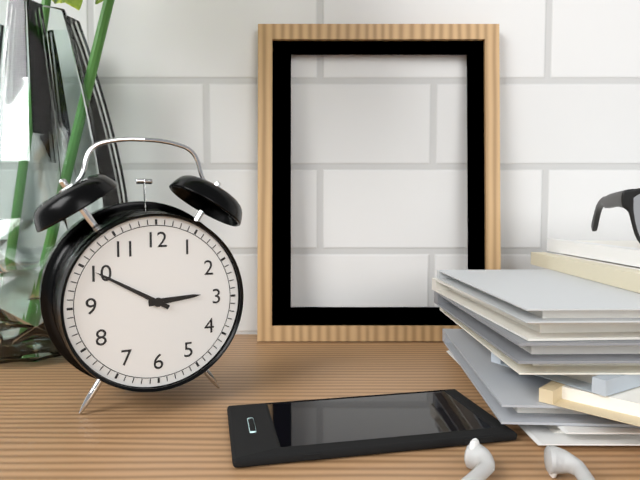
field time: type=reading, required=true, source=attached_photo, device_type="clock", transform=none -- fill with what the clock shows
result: 2:50
